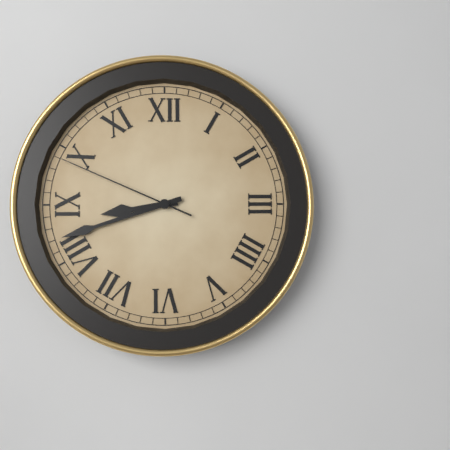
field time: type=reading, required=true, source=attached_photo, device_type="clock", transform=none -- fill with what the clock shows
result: 8:42:49
